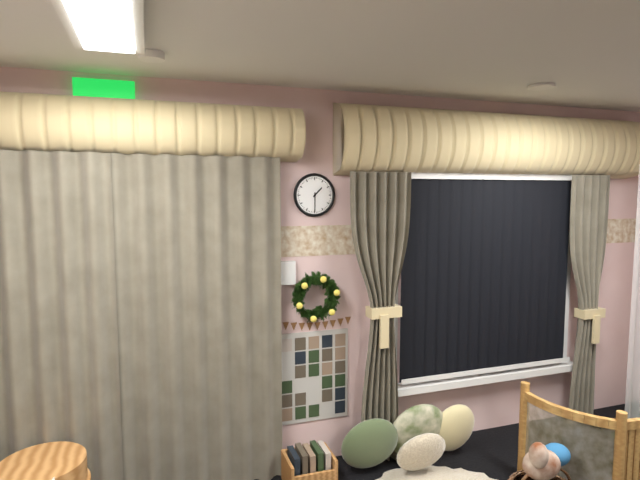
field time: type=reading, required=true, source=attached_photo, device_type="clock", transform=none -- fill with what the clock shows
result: 1:30
